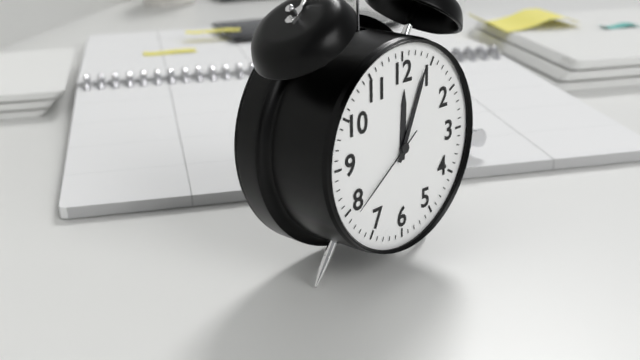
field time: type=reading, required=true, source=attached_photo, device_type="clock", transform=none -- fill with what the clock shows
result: 12:04:39
